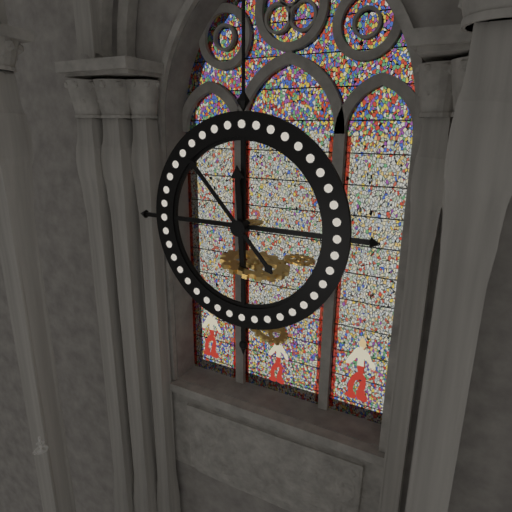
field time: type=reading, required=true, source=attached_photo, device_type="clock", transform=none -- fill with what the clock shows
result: 11:53
